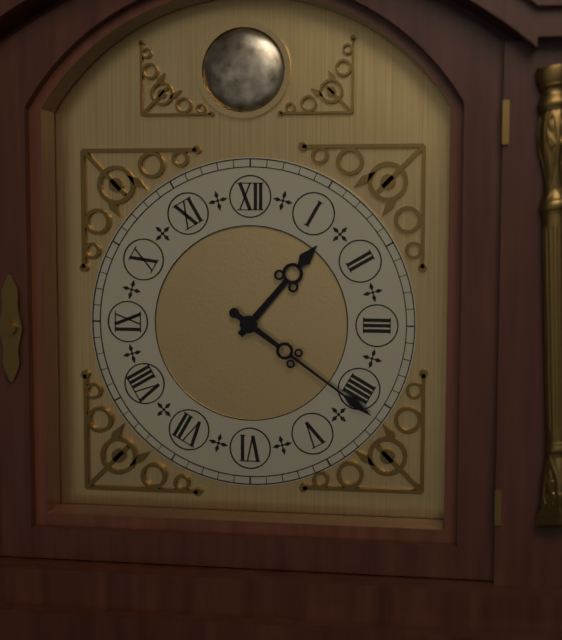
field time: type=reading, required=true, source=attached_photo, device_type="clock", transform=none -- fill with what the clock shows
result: 1:21
